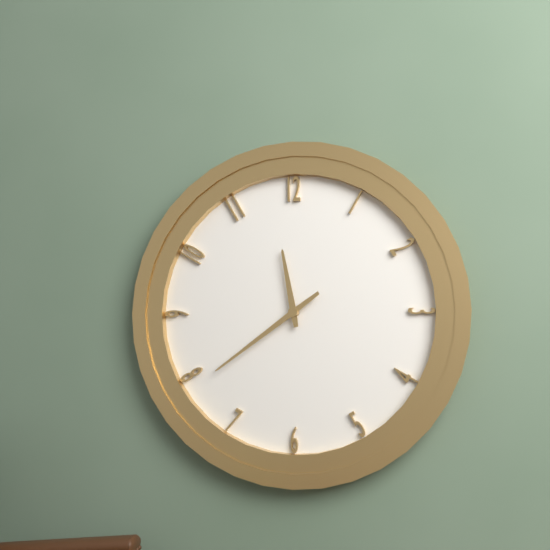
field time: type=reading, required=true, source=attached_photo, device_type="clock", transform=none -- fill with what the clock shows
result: 11:39
